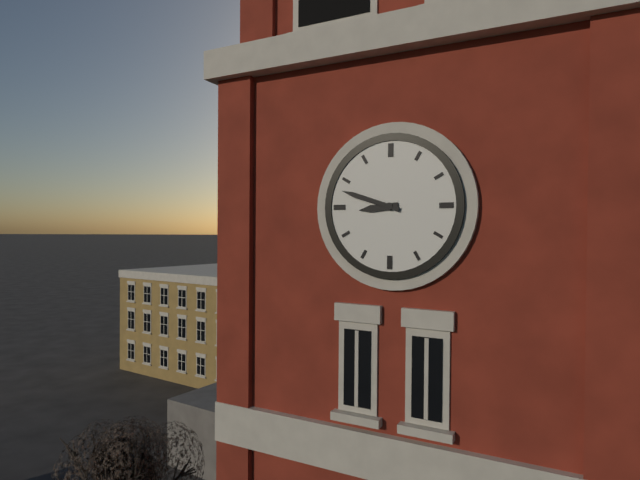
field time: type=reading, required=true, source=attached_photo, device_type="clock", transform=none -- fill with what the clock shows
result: 8:48
